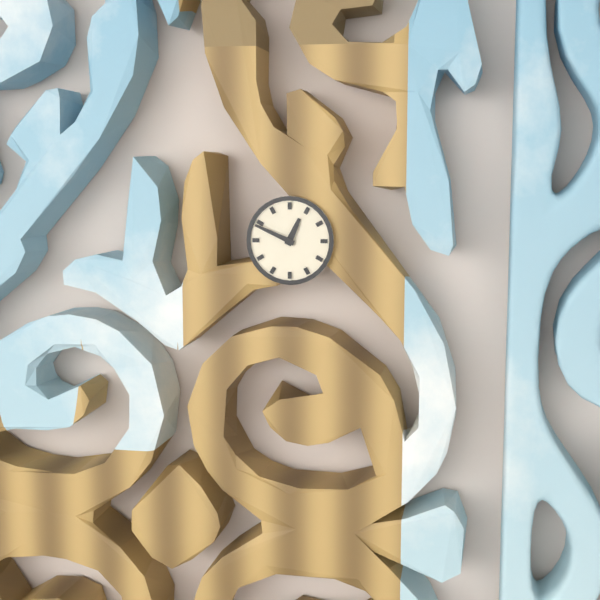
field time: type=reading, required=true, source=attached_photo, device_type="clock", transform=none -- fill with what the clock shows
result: 12:49
